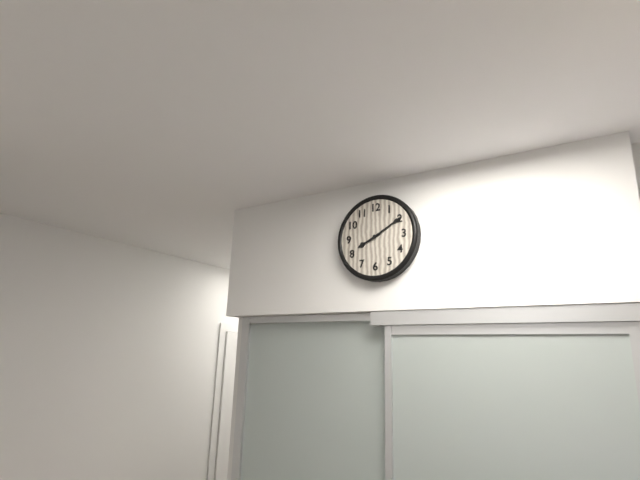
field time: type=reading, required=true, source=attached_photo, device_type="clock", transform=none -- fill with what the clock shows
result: 8:10
